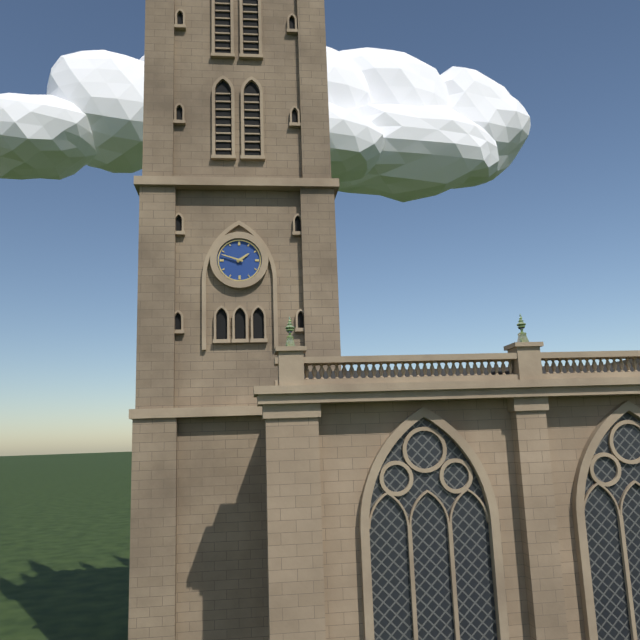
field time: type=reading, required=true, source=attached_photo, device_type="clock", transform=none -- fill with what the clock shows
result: 1:48
